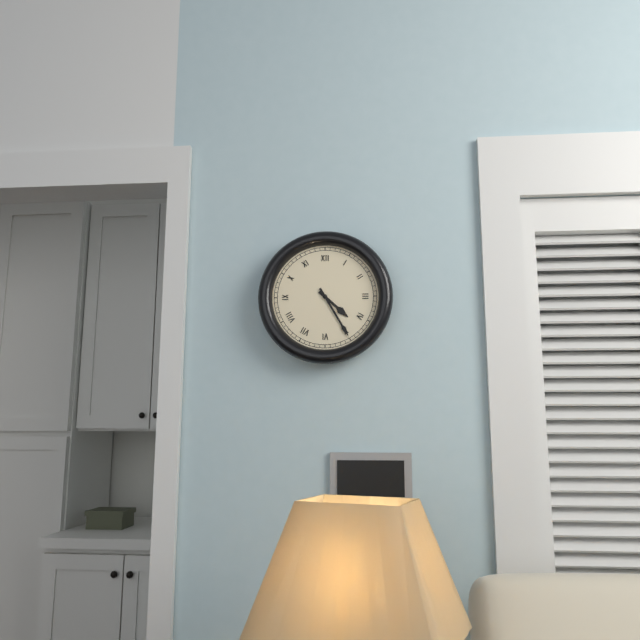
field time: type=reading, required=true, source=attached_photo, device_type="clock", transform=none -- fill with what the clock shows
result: 4:25
